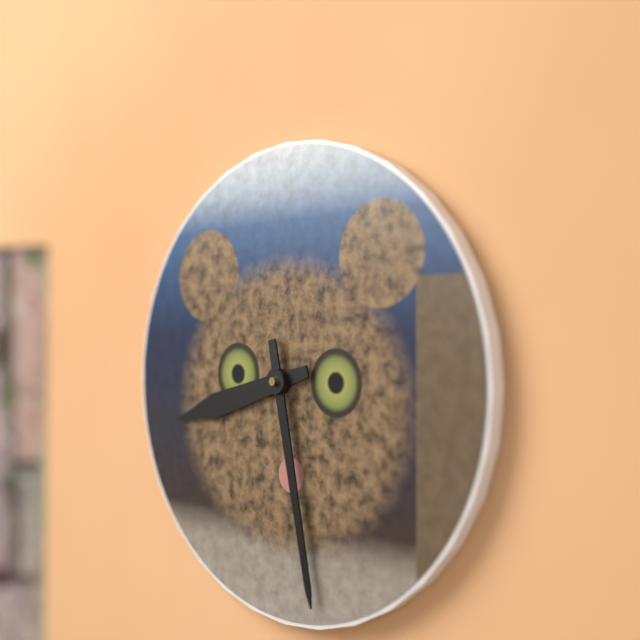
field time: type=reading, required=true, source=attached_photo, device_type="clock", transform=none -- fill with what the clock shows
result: 8:28
